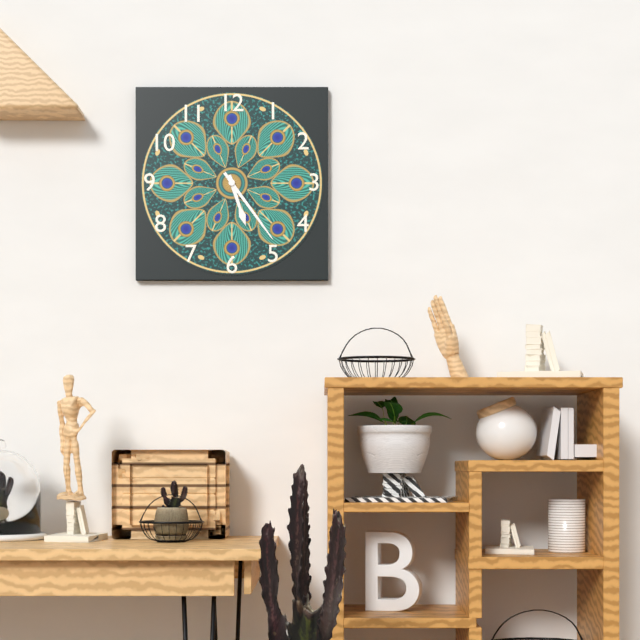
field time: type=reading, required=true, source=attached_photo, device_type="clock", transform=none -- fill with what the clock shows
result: 5:24
